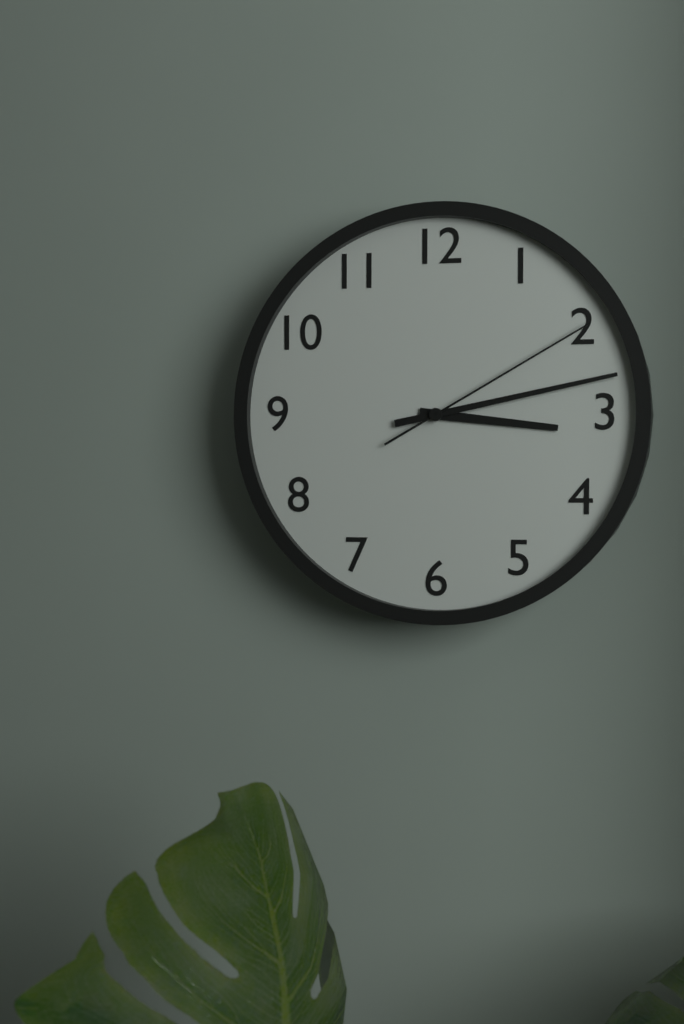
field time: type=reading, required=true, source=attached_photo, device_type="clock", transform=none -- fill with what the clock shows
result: 3:13:10
